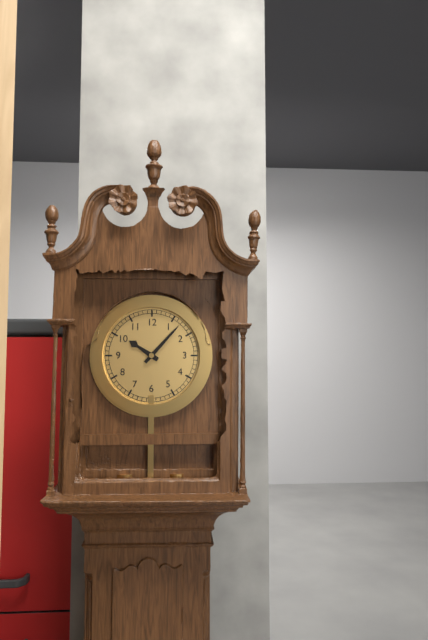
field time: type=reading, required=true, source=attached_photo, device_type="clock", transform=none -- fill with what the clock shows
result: 10:07
